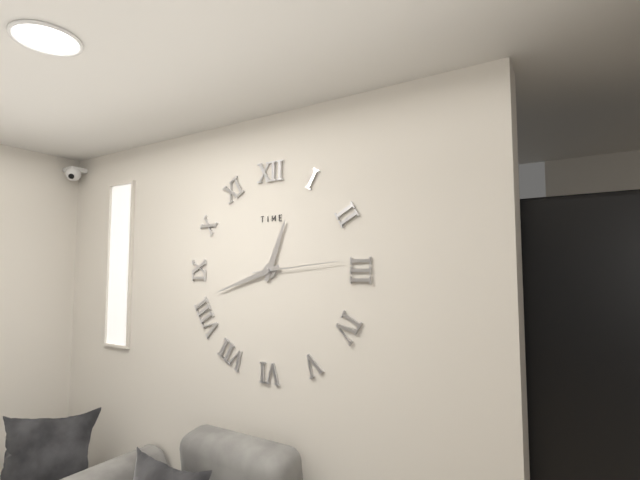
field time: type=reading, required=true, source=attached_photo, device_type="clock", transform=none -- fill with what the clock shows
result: 12:42:14
